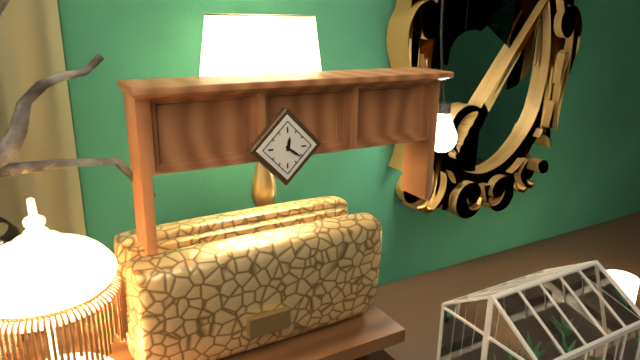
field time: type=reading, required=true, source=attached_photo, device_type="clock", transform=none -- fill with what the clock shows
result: 12:21
